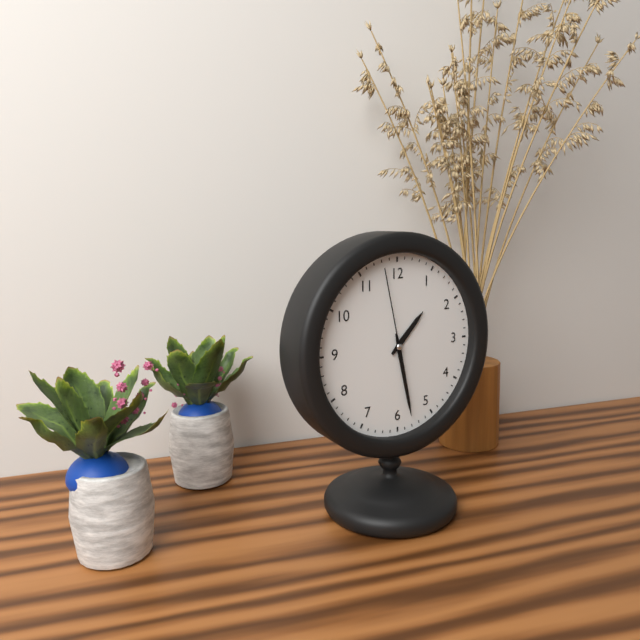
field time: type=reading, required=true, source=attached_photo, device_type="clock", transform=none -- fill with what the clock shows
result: 1:28:58
